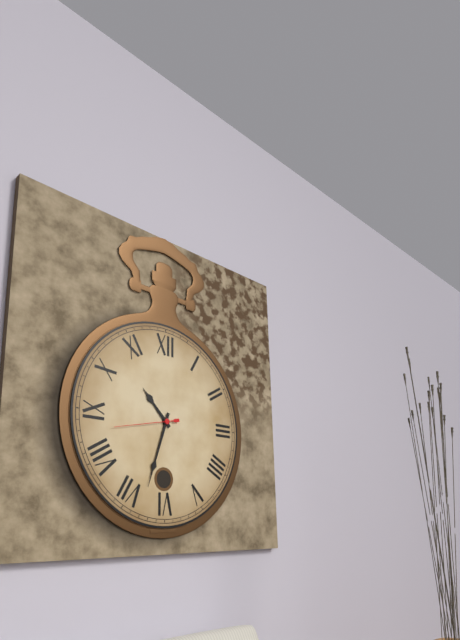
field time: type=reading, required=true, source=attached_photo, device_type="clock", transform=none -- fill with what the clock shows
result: 10:33:43
